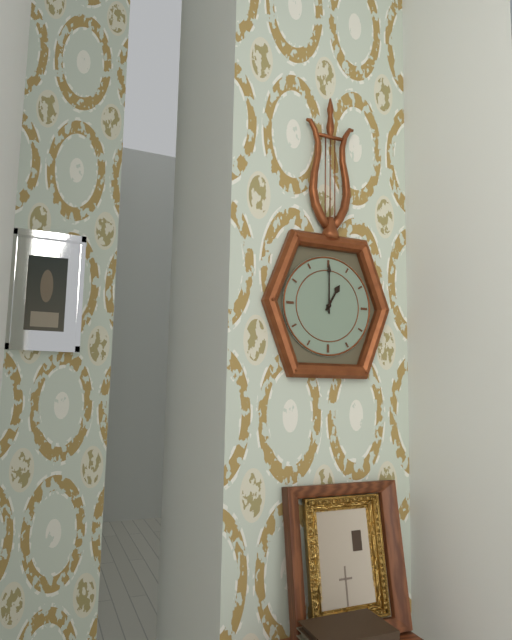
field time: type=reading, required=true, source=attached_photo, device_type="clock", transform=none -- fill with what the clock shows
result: 1:00
